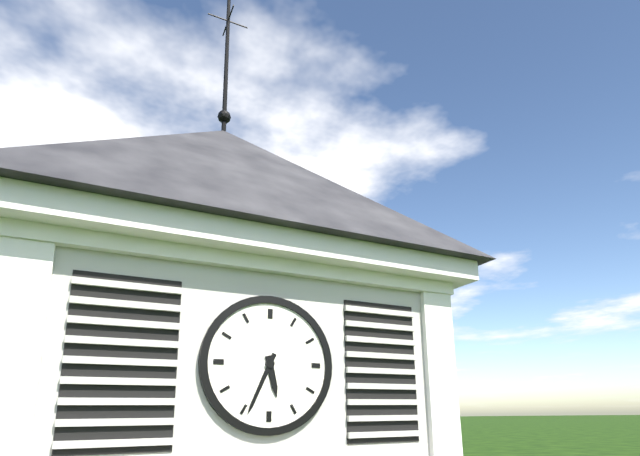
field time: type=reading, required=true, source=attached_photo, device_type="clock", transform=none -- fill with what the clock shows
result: 5:34
